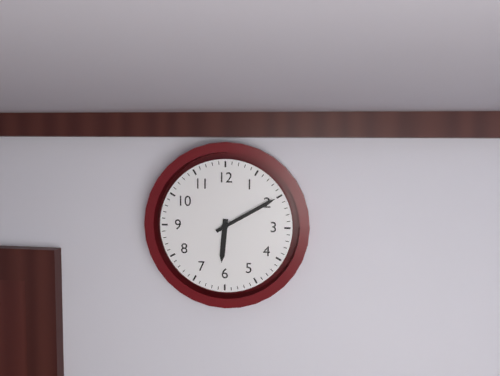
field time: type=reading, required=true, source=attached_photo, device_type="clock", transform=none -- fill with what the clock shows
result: 6:10
